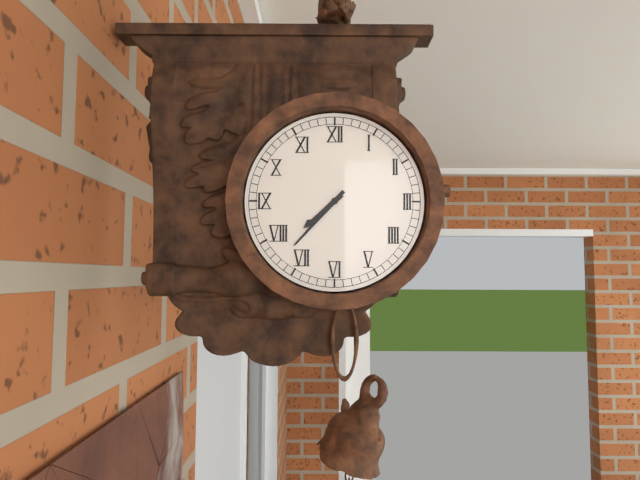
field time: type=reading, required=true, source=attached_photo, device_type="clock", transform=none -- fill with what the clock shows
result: 7:37
